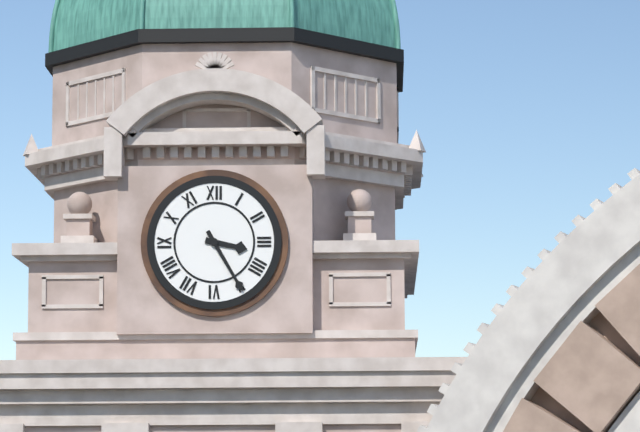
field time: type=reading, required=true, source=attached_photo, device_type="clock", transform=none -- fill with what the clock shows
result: 3:25
